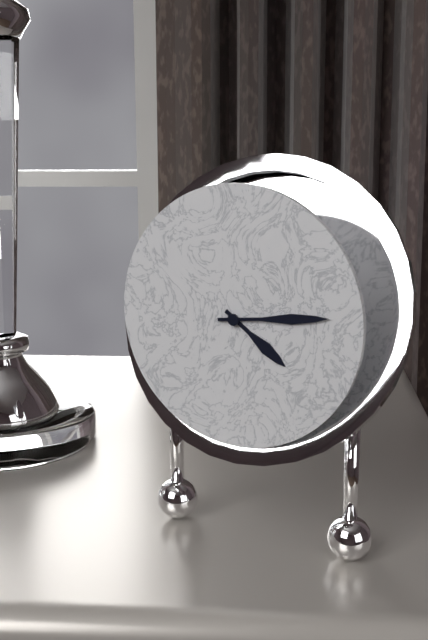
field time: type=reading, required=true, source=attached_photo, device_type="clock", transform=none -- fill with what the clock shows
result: 4:14
